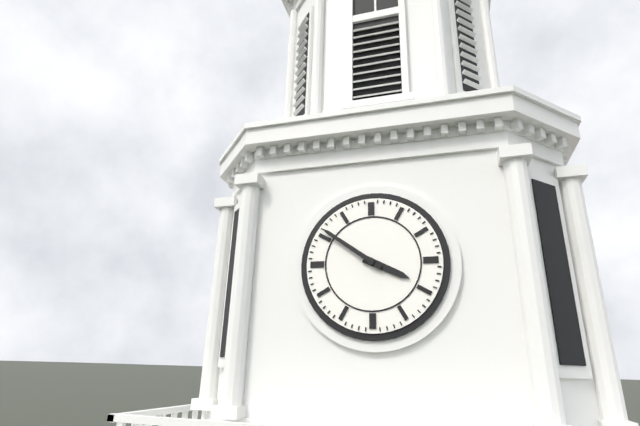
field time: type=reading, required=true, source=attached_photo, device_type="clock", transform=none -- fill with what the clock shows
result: 3:51
